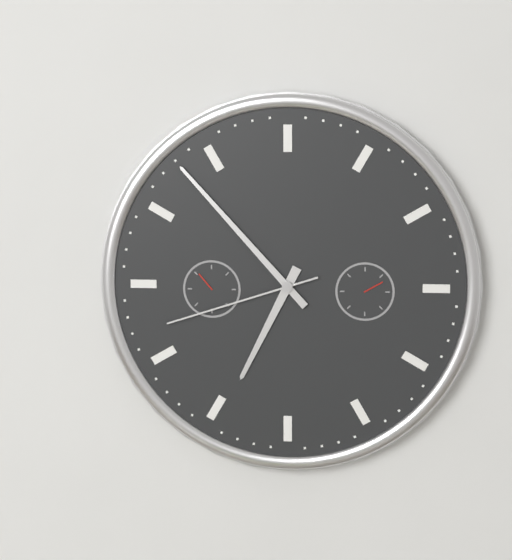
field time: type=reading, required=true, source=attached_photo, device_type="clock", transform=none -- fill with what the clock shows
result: 6:53:42
